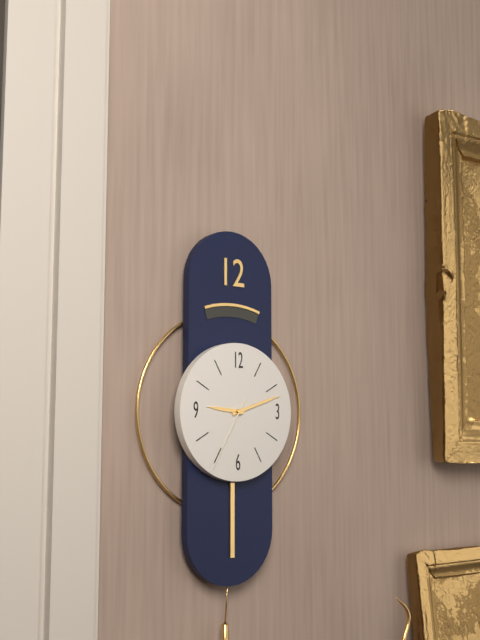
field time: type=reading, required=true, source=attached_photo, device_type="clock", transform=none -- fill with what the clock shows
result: 9:12:35
